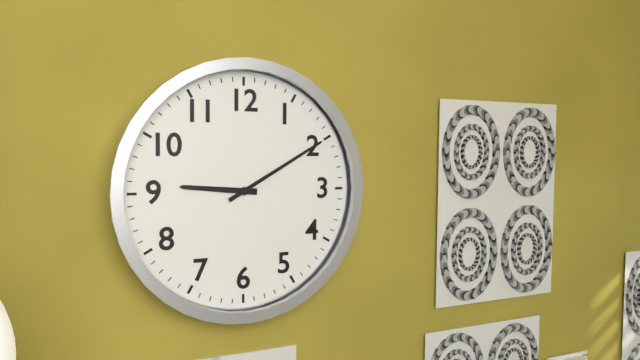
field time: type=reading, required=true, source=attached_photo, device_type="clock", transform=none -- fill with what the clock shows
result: 9:10
